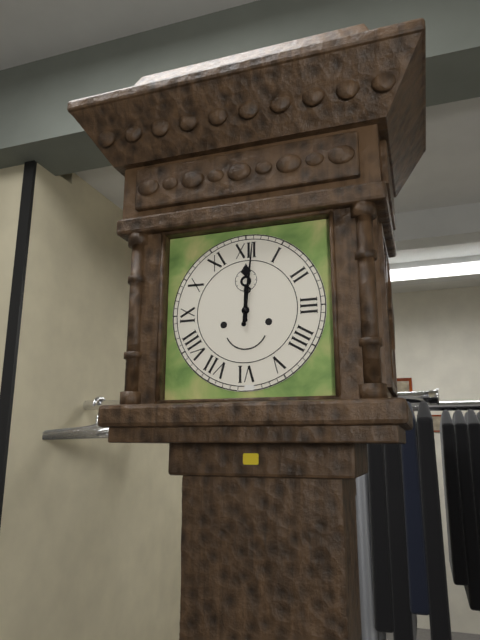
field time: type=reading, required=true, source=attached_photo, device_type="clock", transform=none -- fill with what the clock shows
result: 12:01
